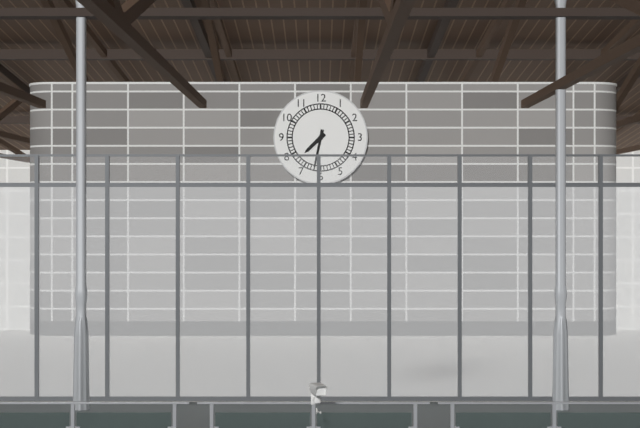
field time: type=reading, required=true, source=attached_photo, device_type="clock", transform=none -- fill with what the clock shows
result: 7:32
